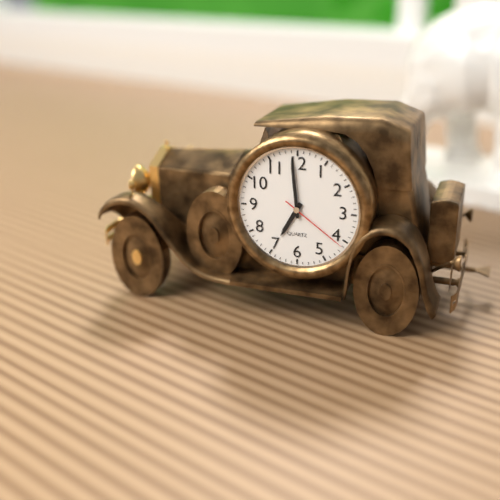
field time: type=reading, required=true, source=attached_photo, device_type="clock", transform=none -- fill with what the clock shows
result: 6:59:21
